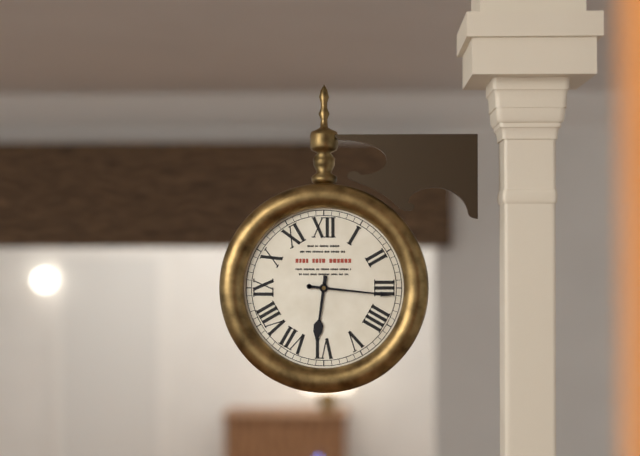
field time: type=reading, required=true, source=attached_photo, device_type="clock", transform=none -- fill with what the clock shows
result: 6:16
